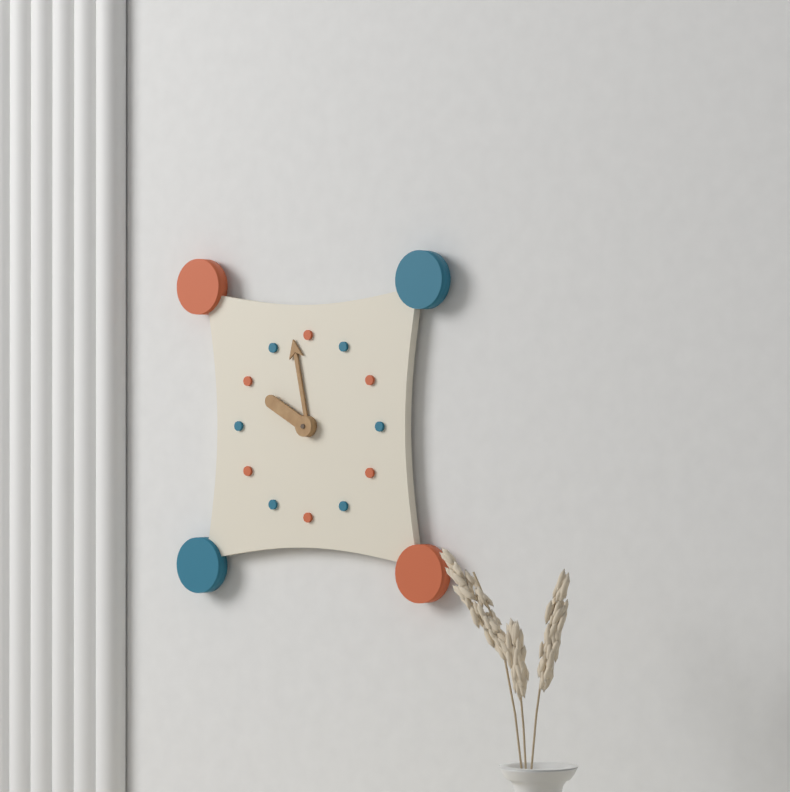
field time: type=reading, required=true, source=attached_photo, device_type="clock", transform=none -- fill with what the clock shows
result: 9:58
